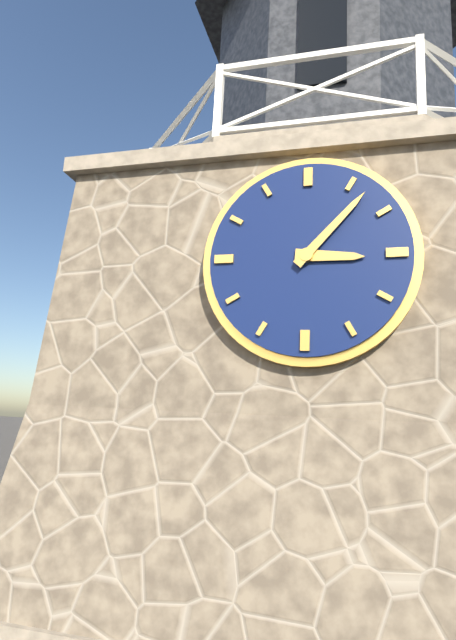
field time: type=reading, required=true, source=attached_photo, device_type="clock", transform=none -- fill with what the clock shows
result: 3:07
